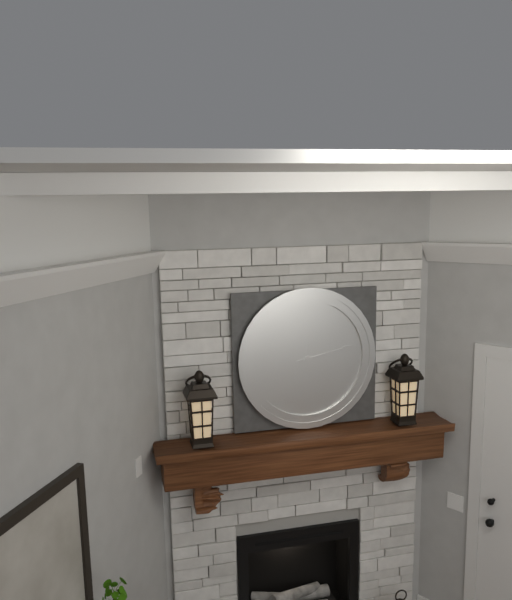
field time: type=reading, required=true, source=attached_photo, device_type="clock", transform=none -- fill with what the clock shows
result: 12:13
